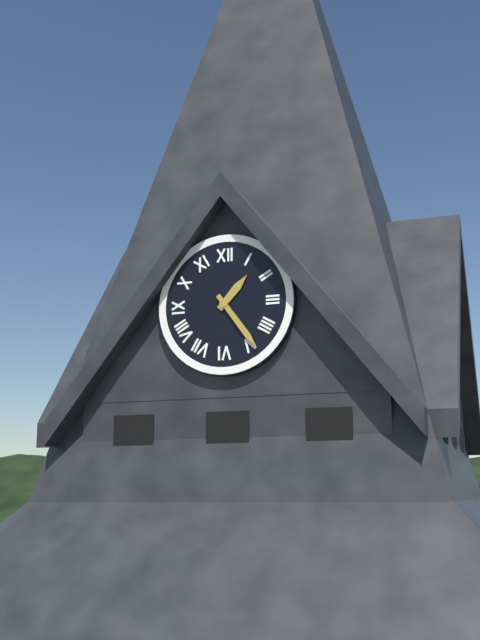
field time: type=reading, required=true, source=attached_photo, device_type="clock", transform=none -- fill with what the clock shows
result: 1:24
